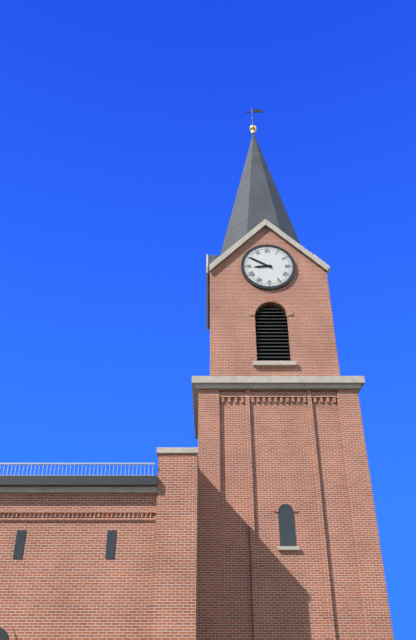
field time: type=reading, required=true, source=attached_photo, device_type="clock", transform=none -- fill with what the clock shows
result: 8:50
